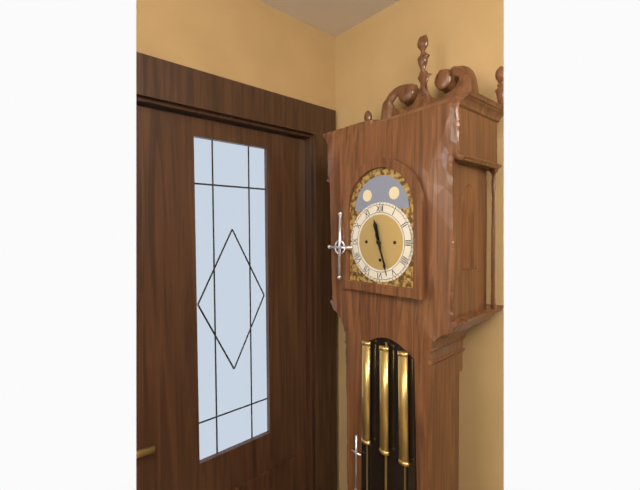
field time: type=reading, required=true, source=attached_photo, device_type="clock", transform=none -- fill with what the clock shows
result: 11:27
